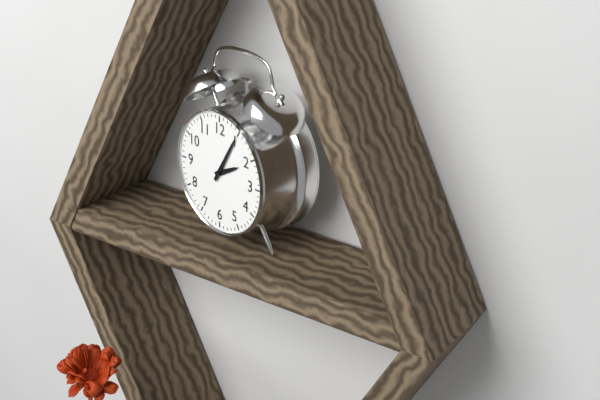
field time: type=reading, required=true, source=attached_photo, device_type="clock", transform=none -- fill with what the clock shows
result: 2:05
